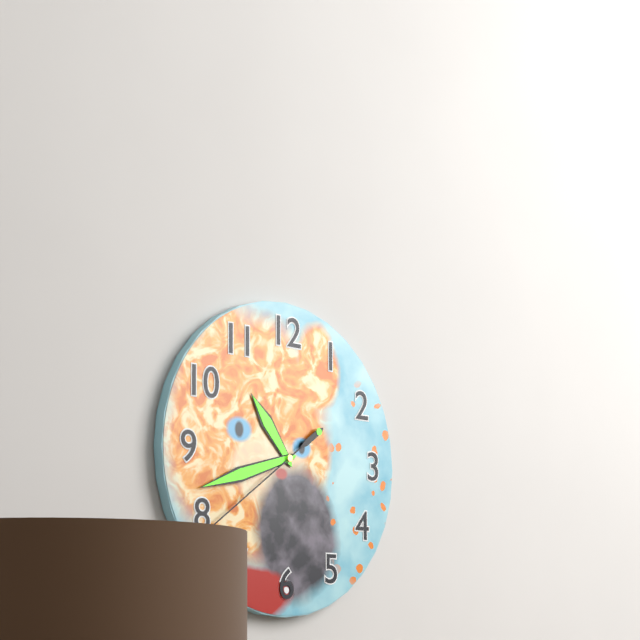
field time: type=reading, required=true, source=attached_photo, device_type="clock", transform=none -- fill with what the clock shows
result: 10:42:39
